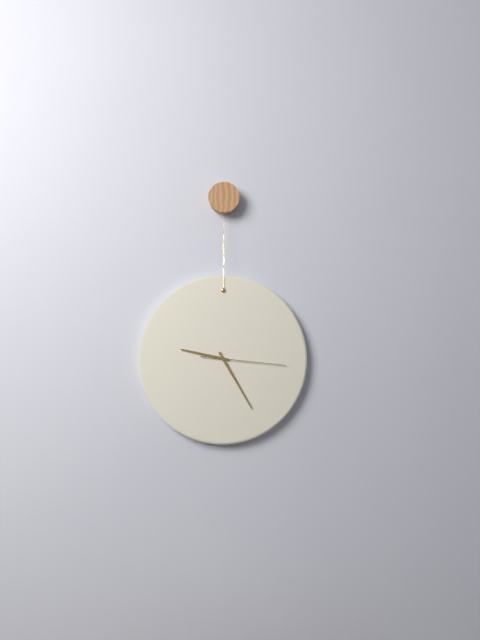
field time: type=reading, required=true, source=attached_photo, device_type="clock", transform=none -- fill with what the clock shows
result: 9:25:16
